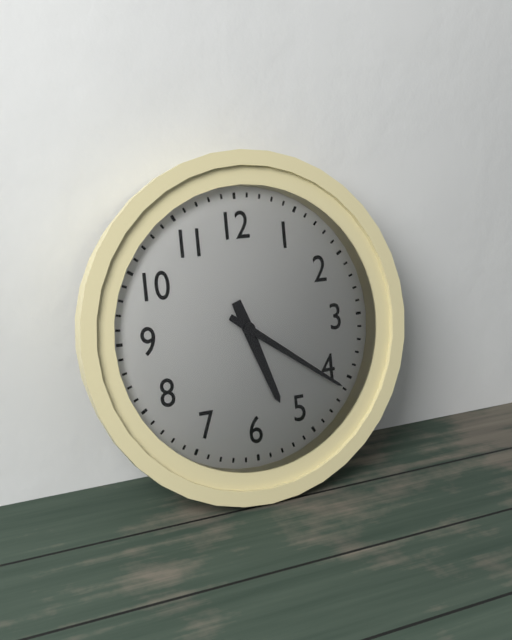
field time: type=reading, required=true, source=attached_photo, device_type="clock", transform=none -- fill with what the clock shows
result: 5:21
